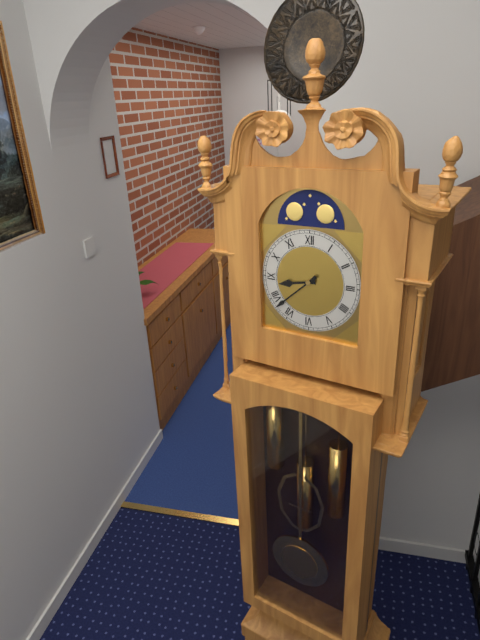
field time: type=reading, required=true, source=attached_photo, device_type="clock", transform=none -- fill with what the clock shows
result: 8:38
